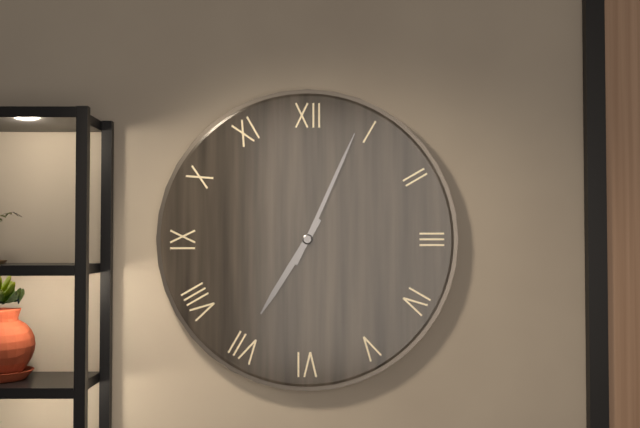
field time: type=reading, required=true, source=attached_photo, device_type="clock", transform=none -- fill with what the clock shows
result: 7:04
